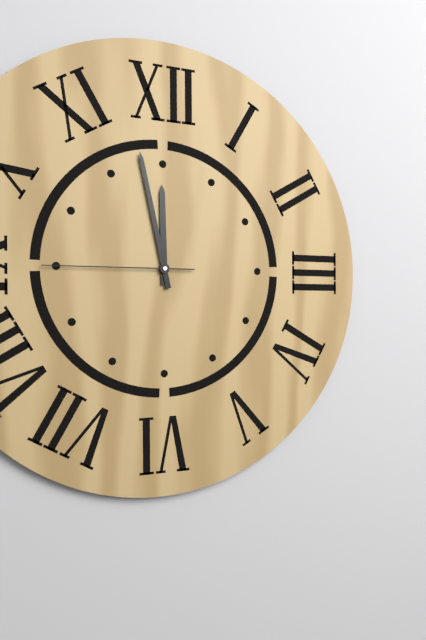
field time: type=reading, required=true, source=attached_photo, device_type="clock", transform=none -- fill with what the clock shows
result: 11:58:45
